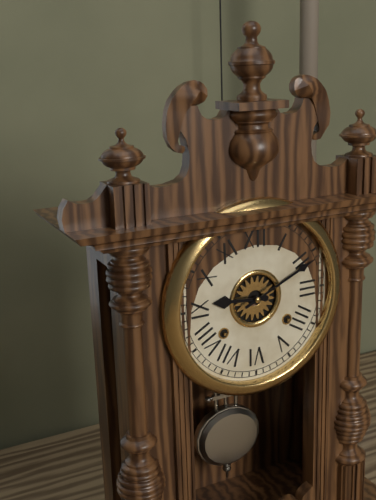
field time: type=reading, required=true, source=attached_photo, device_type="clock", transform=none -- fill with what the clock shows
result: 9:11
